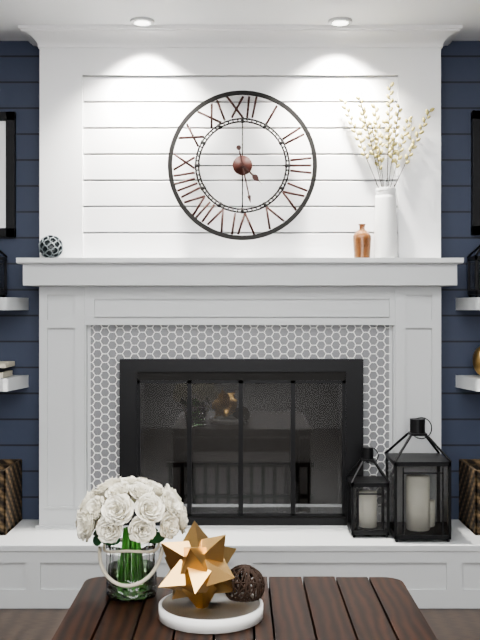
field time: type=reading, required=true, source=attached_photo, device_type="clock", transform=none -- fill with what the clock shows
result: 4:28
